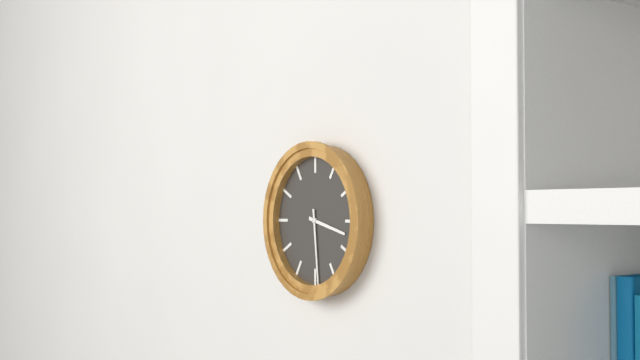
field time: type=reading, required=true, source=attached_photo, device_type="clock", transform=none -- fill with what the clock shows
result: 3:29
